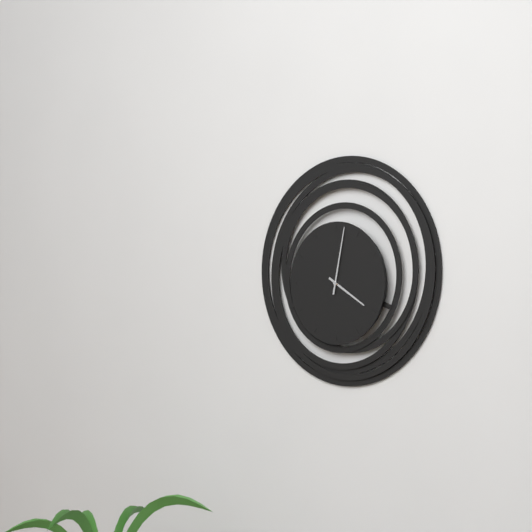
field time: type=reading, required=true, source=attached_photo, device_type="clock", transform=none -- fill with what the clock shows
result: 4:02
